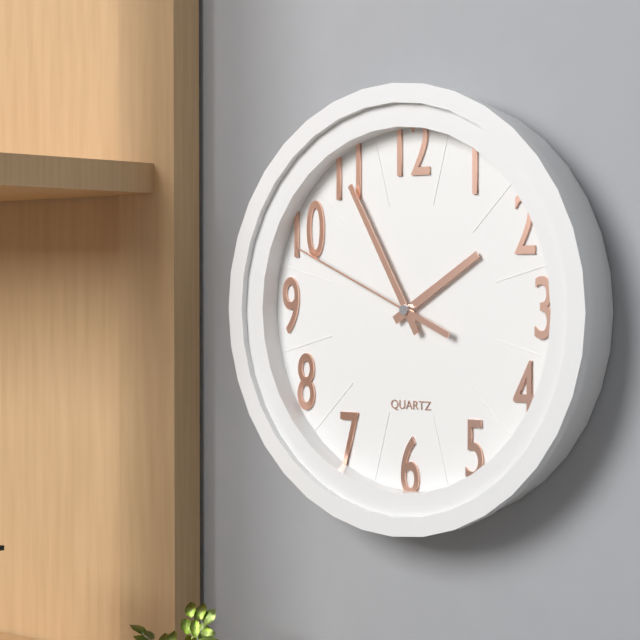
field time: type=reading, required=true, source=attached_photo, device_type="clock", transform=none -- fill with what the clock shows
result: 1:55:49
